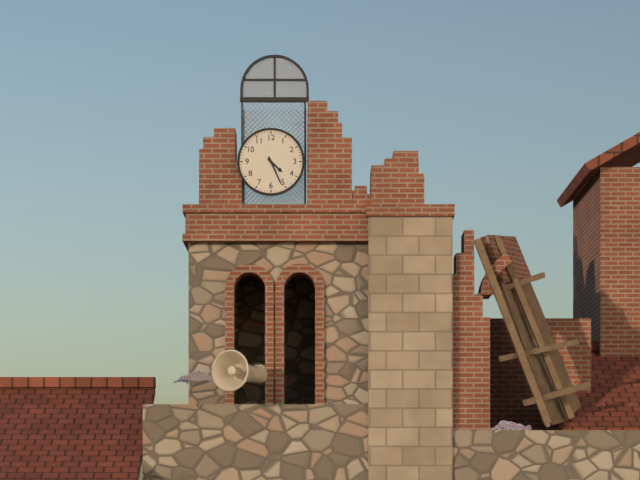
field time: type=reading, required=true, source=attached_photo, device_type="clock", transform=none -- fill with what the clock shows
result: 4:26
